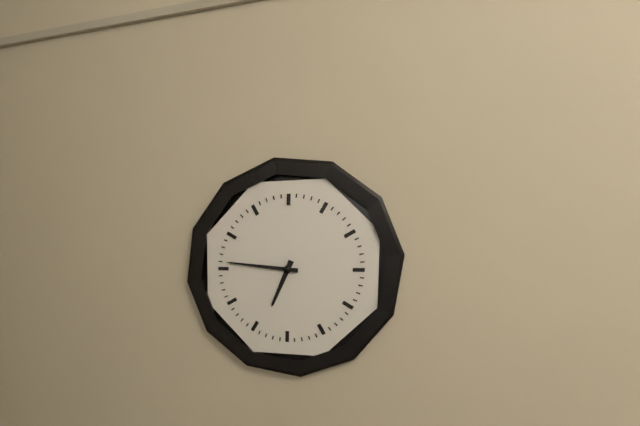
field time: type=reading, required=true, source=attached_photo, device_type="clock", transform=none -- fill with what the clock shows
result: 6:46
